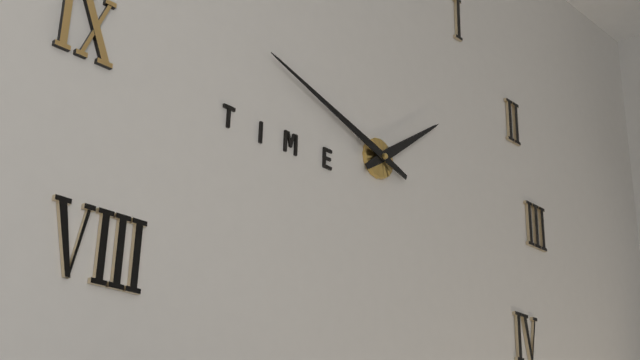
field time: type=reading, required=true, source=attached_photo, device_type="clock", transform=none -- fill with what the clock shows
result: 1:48
